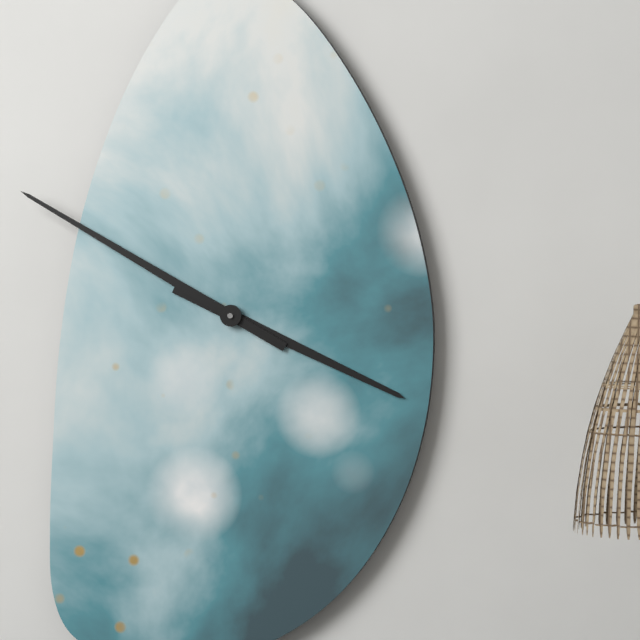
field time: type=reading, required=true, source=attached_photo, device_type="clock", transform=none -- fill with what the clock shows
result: 3:50
